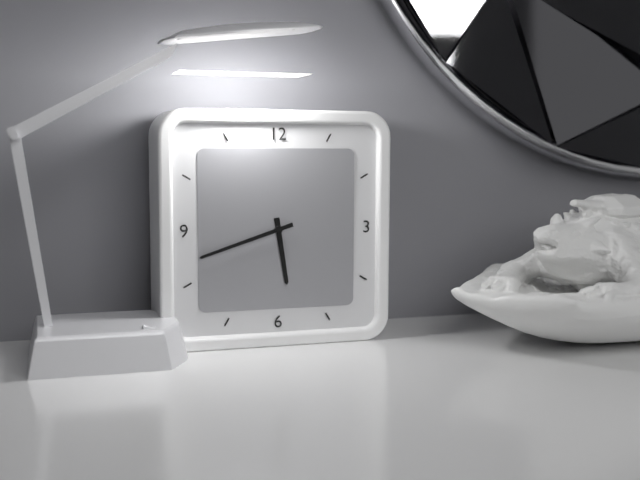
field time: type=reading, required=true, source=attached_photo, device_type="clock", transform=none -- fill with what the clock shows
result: 5:42
